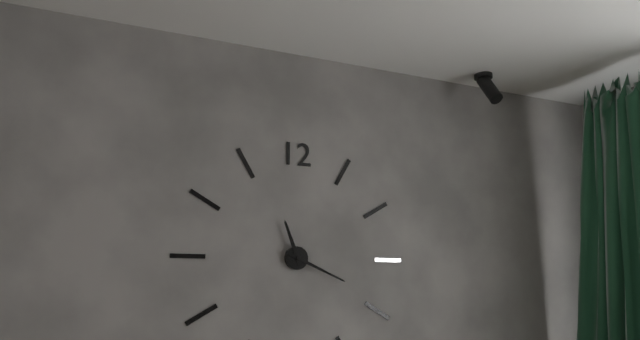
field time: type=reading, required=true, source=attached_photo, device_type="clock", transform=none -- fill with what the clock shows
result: 11:19
